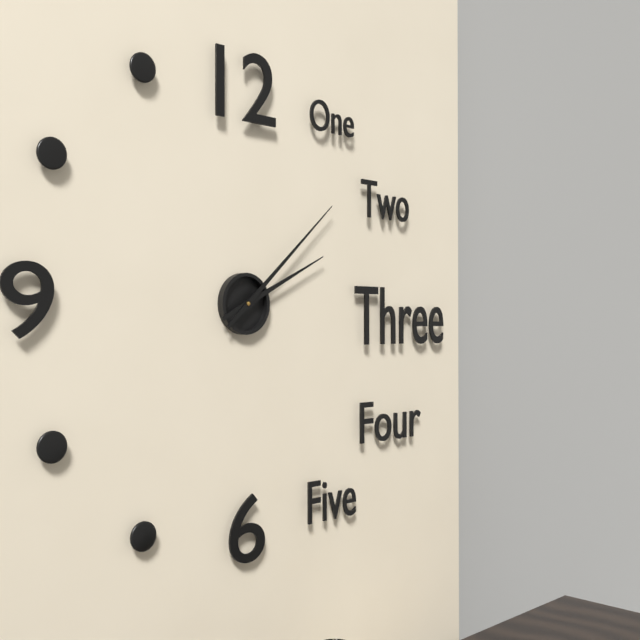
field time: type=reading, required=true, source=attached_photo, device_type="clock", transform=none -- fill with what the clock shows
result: 2:08
